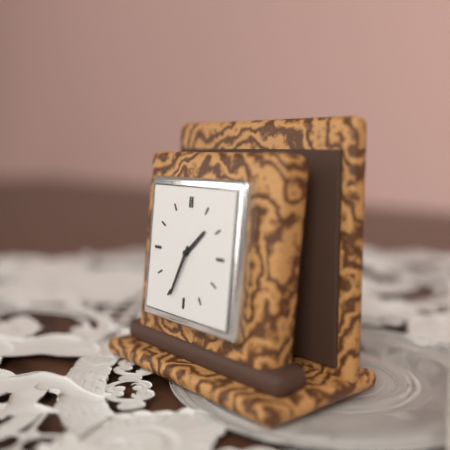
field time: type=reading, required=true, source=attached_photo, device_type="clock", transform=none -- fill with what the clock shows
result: 1:34
